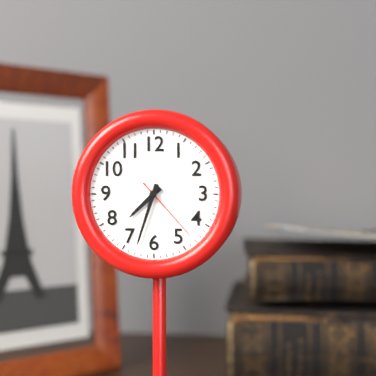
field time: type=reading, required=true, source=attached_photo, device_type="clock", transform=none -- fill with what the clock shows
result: 7:33:23
